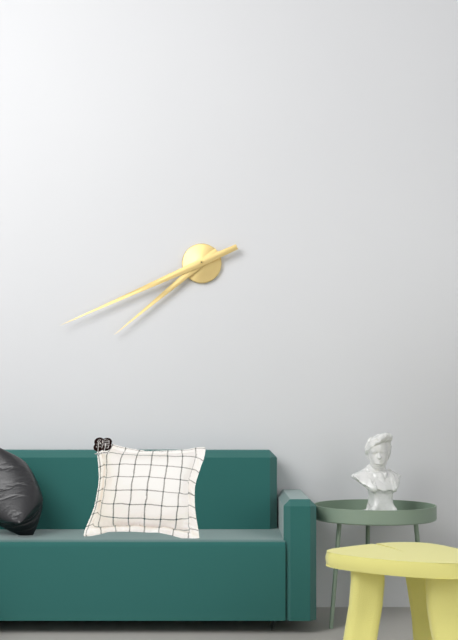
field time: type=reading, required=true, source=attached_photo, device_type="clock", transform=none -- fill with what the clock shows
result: 7:41
